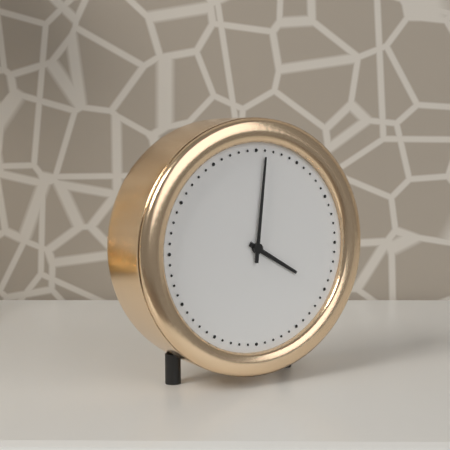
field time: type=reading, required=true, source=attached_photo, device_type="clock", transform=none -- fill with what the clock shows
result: 4:01
